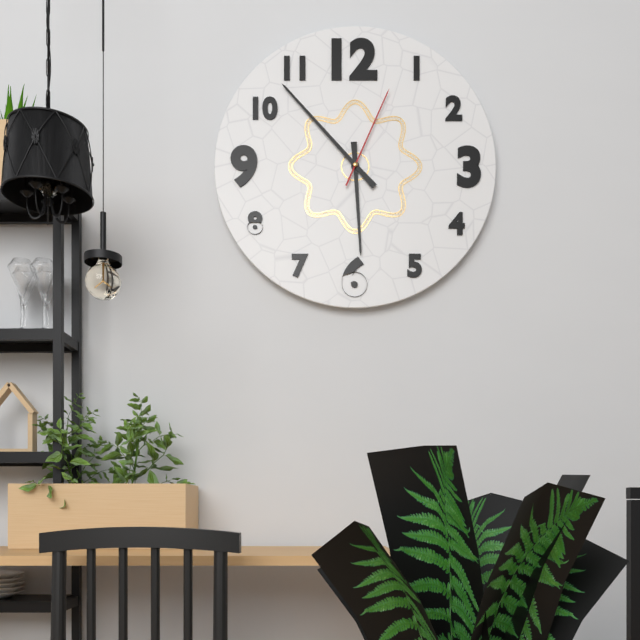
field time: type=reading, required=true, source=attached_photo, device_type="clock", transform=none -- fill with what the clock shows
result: 5:53:04
